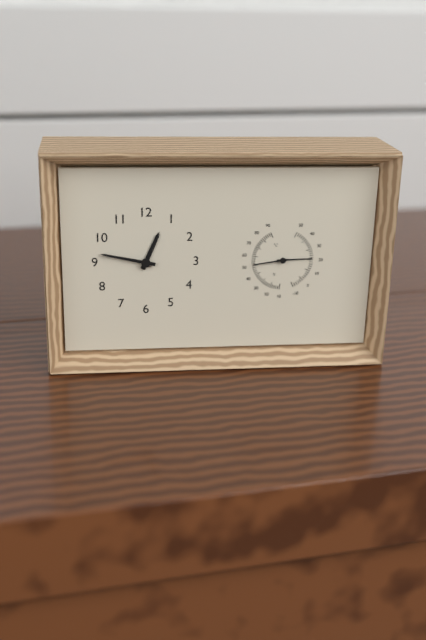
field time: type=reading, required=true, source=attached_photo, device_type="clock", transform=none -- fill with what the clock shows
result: 12:47
